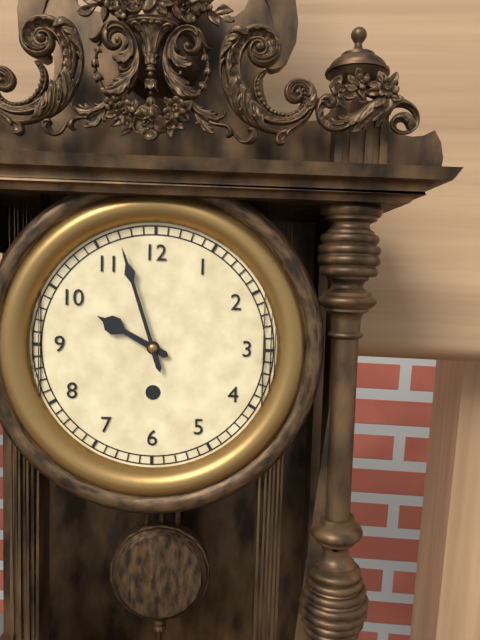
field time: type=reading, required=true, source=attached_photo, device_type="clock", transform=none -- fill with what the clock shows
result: 9:57
